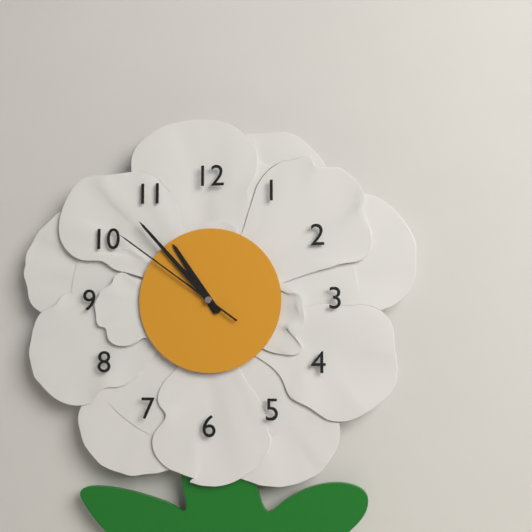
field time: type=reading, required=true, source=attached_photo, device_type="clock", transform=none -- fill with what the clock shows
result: 10:53:51
